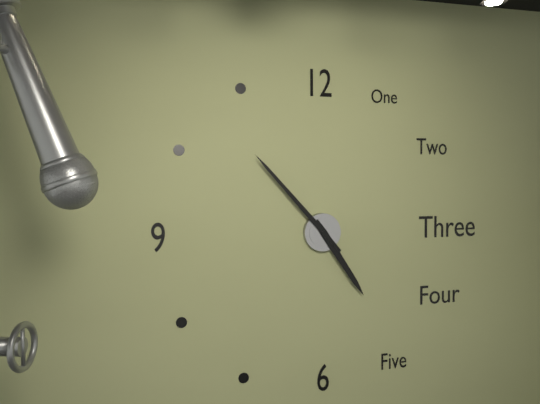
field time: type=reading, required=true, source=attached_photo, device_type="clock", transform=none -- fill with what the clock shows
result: 4:53
